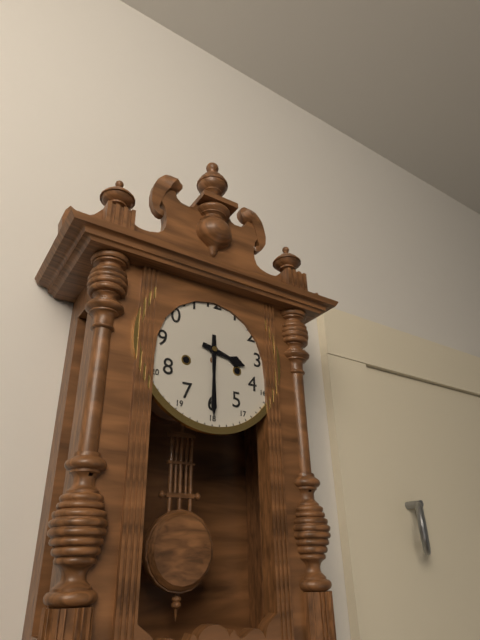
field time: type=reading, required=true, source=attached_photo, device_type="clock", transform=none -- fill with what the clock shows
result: 3:30
